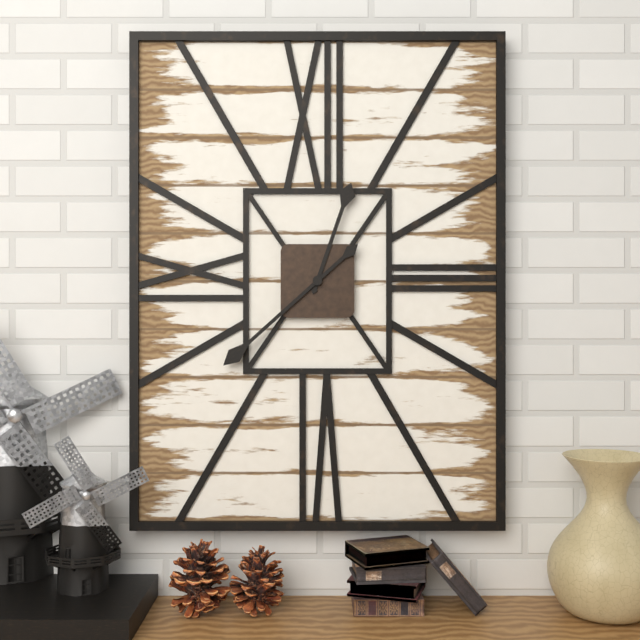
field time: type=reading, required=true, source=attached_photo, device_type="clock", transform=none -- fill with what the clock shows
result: 12:38
